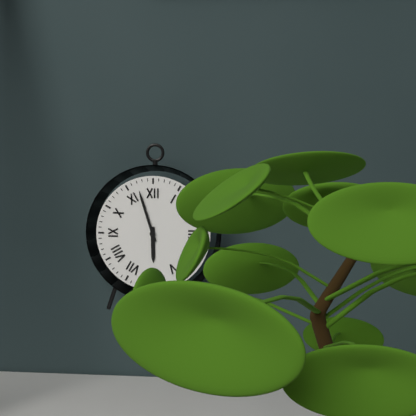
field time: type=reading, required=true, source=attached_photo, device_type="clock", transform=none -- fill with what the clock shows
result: 5:57
